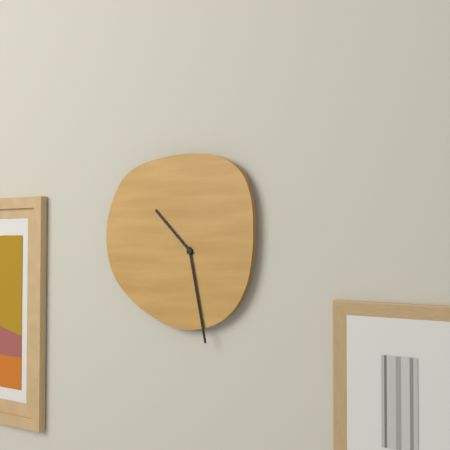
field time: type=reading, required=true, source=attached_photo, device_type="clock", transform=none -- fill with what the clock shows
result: 10:28
